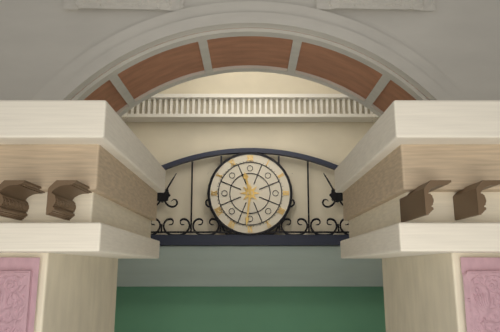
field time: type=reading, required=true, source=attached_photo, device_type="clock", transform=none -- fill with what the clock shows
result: 11:31
